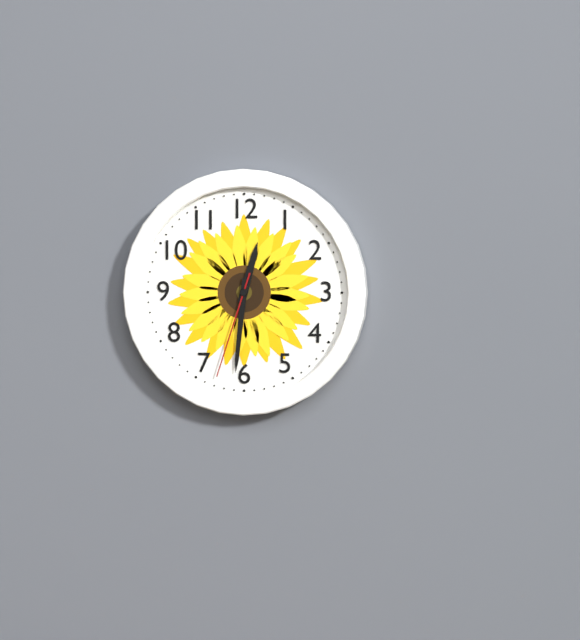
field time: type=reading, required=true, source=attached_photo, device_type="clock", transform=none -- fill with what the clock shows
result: 12:31:33
